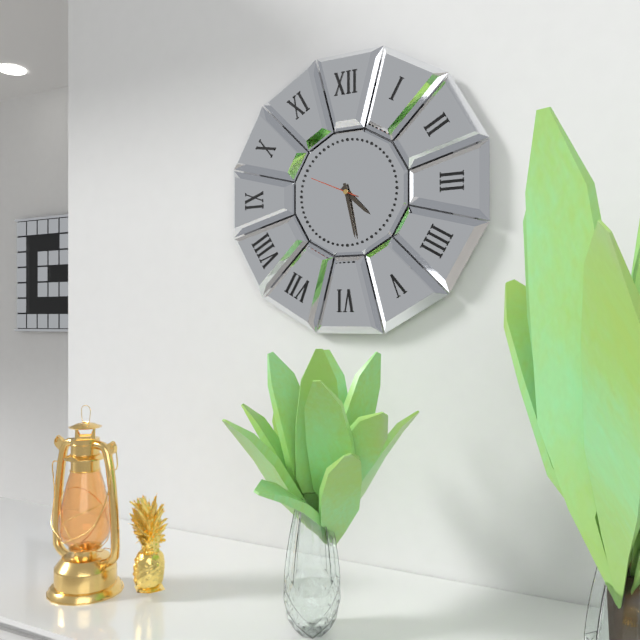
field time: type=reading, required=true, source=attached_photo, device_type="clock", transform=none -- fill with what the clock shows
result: 4:28:49
